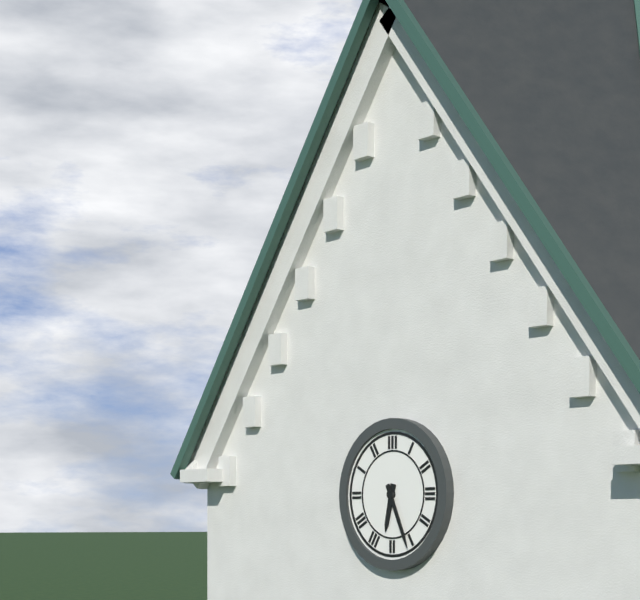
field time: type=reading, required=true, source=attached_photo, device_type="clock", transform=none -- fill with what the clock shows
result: 6:26
